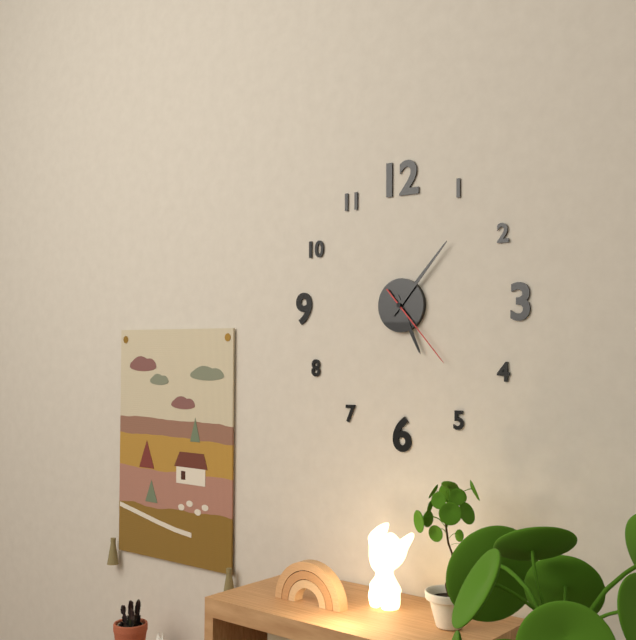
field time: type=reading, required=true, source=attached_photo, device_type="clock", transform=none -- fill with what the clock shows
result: 5:07:23
